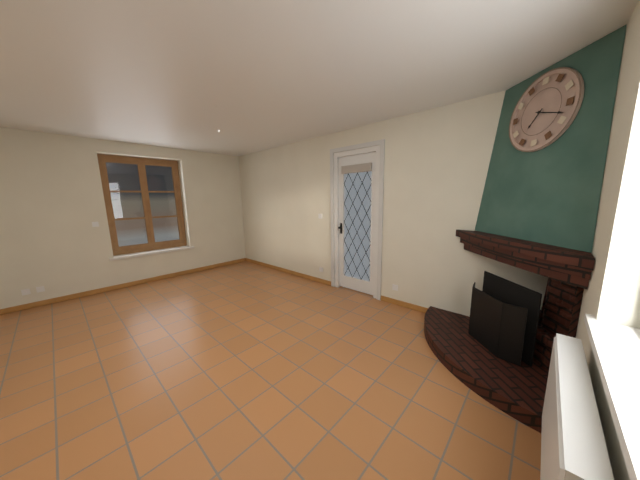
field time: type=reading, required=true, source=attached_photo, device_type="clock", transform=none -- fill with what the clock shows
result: 7:18
